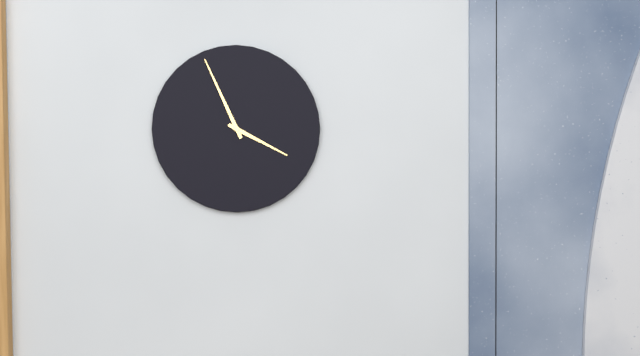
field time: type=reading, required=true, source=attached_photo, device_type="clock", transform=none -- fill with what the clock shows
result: 3:56
